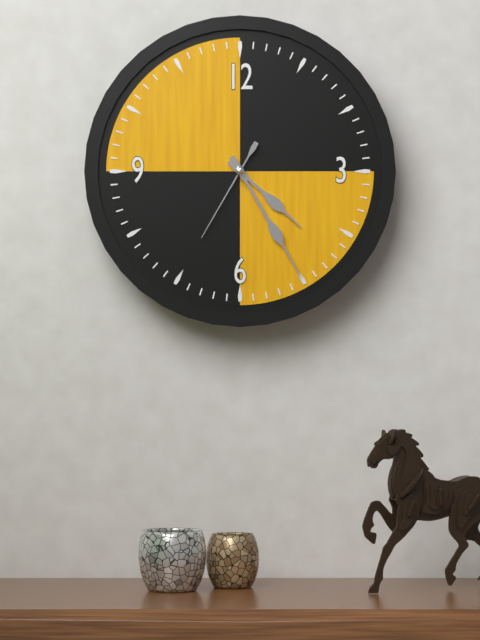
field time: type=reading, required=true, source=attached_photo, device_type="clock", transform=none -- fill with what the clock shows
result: 4:25:35
